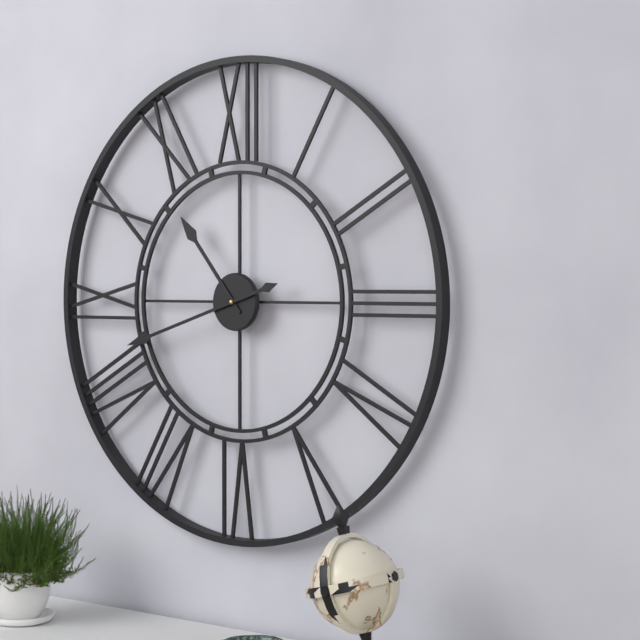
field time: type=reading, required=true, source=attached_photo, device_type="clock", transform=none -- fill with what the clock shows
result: 10:42
